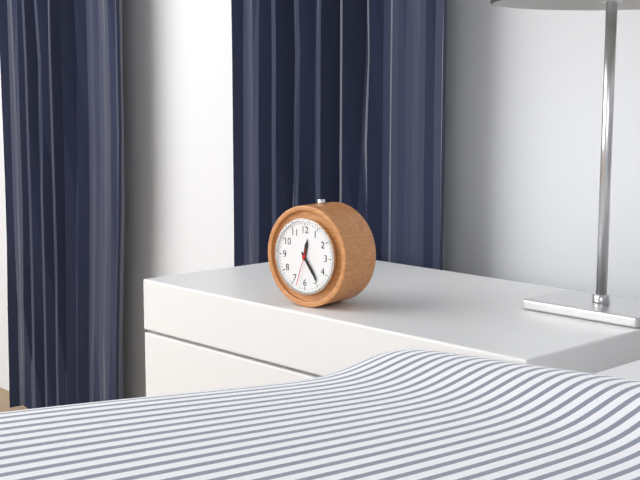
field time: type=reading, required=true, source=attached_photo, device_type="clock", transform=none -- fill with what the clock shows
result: 12:24
